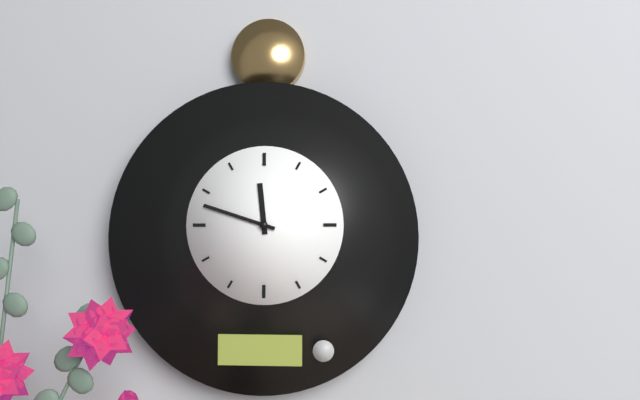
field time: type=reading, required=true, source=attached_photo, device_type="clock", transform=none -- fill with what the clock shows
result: 11:48
